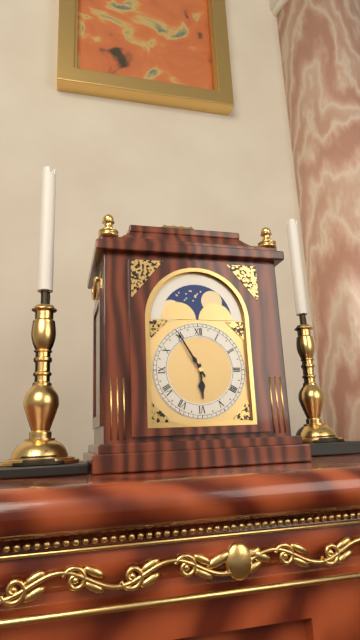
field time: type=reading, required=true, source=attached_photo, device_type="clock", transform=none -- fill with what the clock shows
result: 5:55
